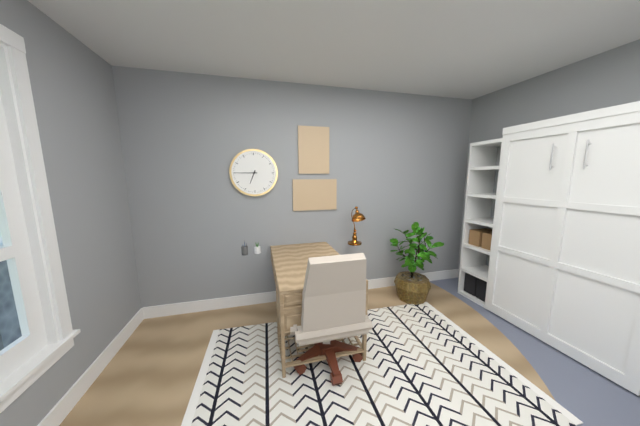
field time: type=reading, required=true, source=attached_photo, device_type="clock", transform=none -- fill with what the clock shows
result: 6:45
